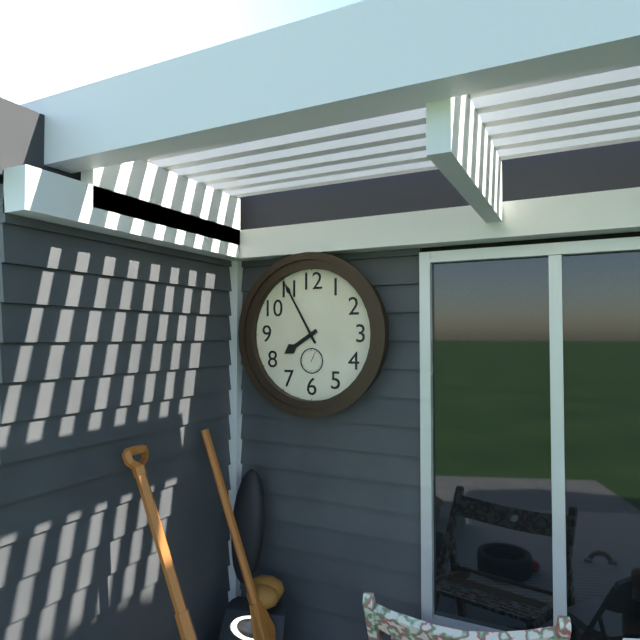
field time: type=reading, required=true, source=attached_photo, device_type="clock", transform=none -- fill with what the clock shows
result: 7:55
